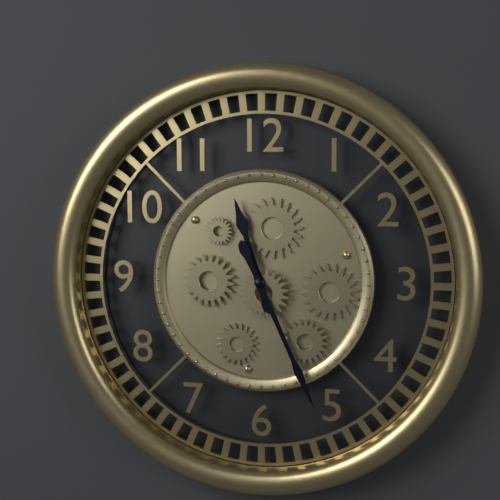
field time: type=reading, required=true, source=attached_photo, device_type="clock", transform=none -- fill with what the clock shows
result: 11:26
